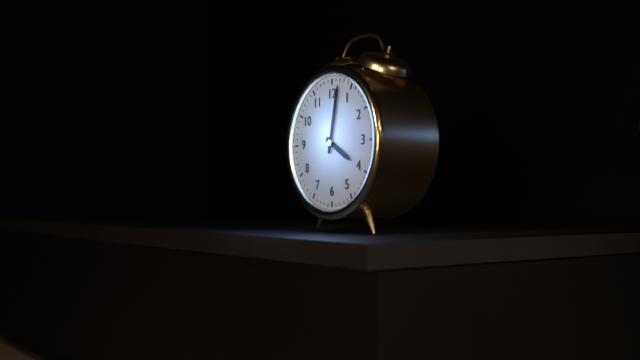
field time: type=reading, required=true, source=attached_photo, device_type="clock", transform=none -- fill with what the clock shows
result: 4:02
